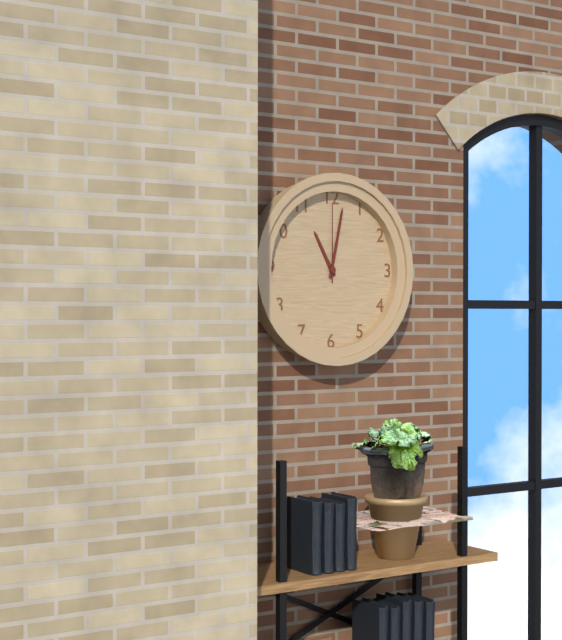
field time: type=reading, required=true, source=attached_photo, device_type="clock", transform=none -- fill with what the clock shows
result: 11:02:00
